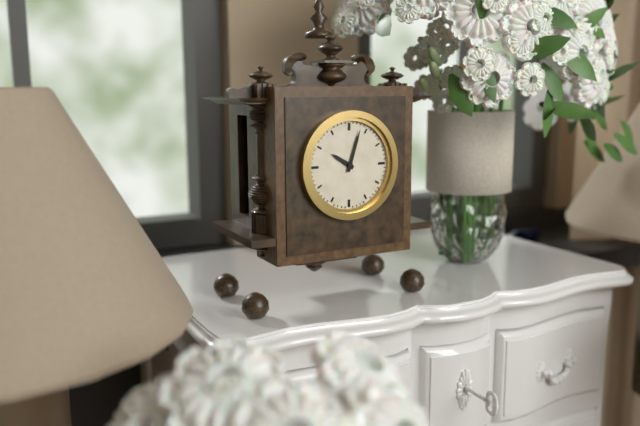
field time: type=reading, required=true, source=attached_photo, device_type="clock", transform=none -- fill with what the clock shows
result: 10:03
